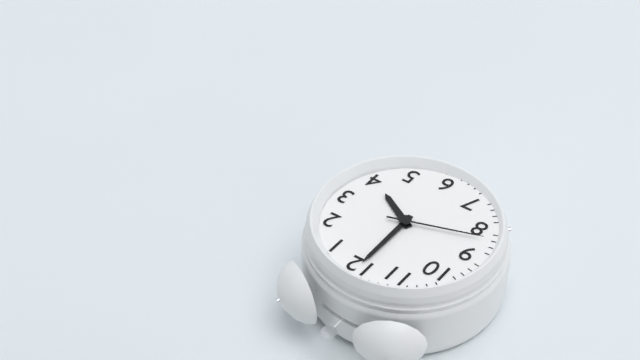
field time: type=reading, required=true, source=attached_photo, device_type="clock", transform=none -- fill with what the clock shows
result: 4:00:42
